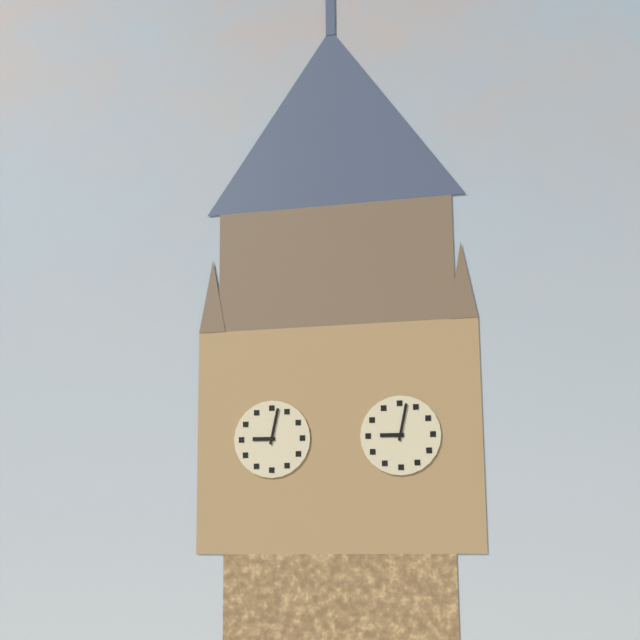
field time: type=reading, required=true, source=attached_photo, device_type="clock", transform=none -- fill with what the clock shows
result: 9:02
